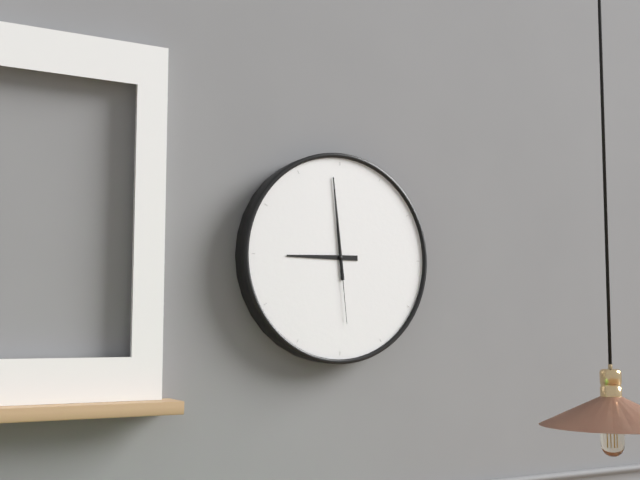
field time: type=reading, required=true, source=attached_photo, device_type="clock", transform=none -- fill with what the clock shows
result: 8:59:29
